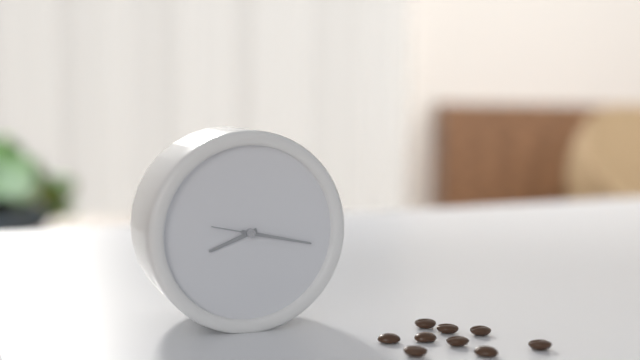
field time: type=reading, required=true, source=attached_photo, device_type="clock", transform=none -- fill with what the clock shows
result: 8:17:47
